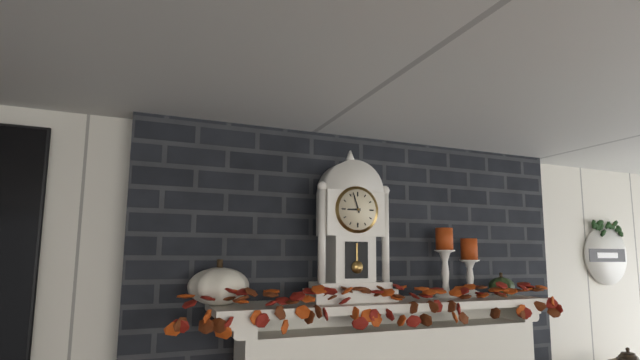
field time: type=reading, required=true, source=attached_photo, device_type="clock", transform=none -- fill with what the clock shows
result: 8:57
